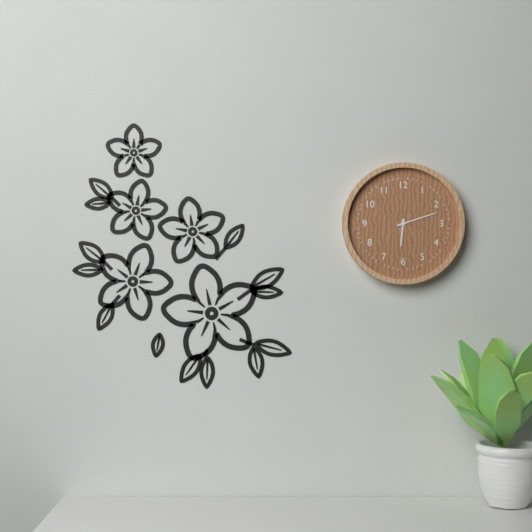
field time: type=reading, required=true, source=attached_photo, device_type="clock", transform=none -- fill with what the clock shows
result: 6:12
